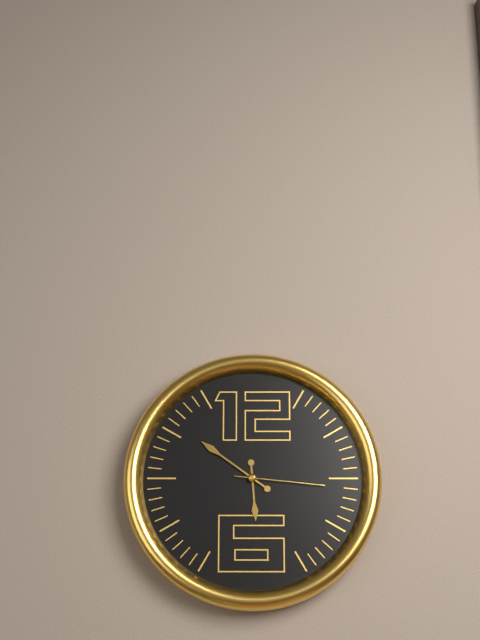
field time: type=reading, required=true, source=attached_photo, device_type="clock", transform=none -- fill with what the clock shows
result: 5:51:16
